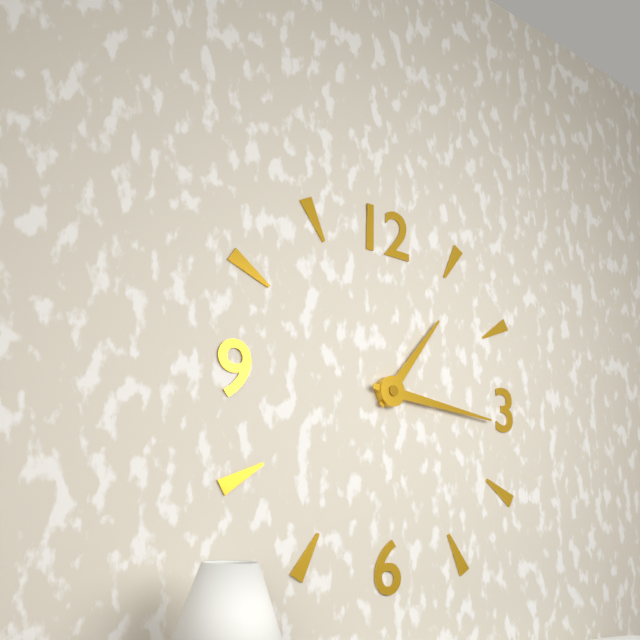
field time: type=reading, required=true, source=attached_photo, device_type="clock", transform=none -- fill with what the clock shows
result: 1:16
